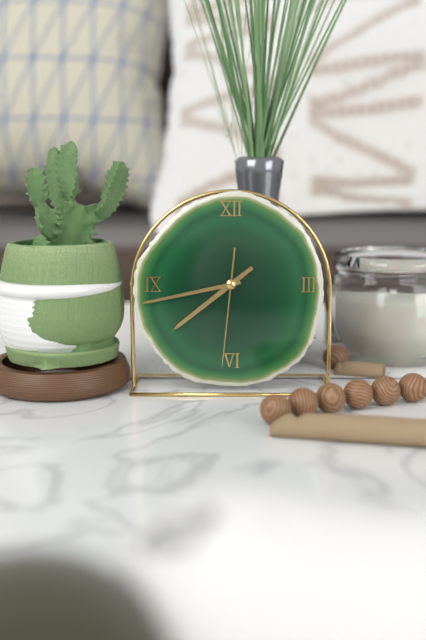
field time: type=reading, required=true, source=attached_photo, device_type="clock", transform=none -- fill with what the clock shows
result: 7:43:31
